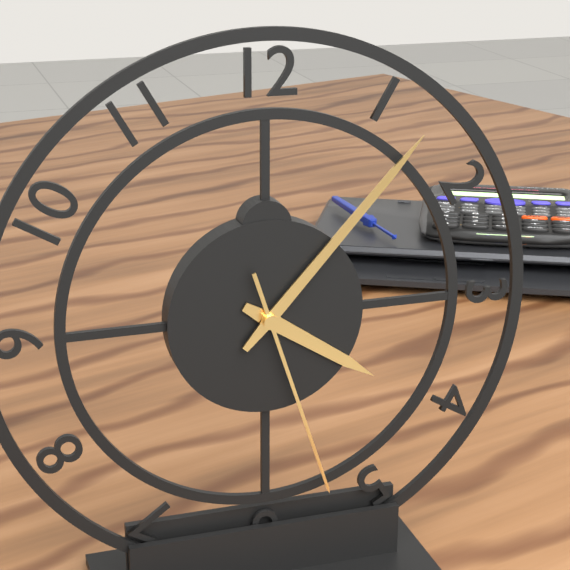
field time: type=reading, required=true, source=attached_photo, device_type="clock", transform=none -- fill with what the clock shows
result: 4:07:27
